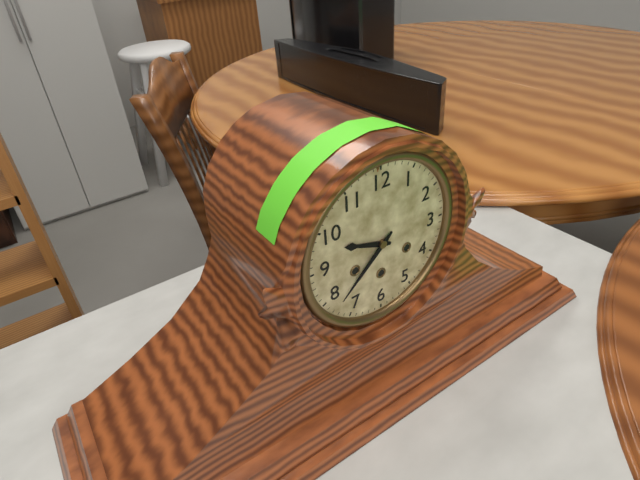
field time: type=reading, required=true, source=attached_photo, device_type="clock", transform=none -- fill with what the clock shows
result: 9:38
